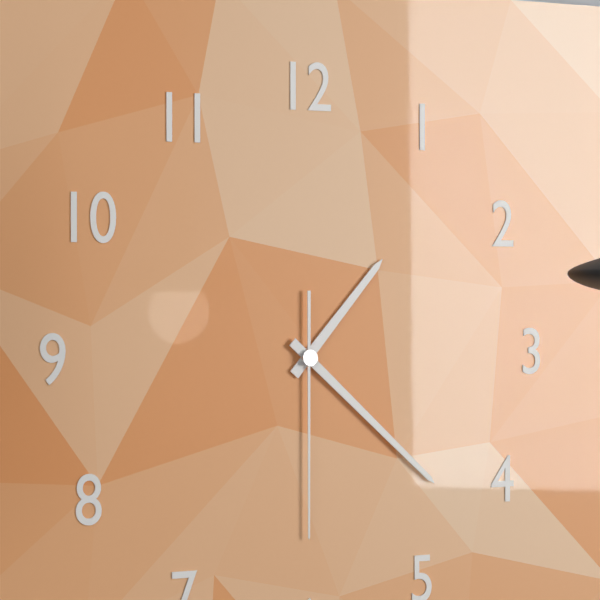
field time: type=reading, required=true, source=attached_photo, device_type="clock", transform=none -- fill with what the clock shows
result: 1:22:30
